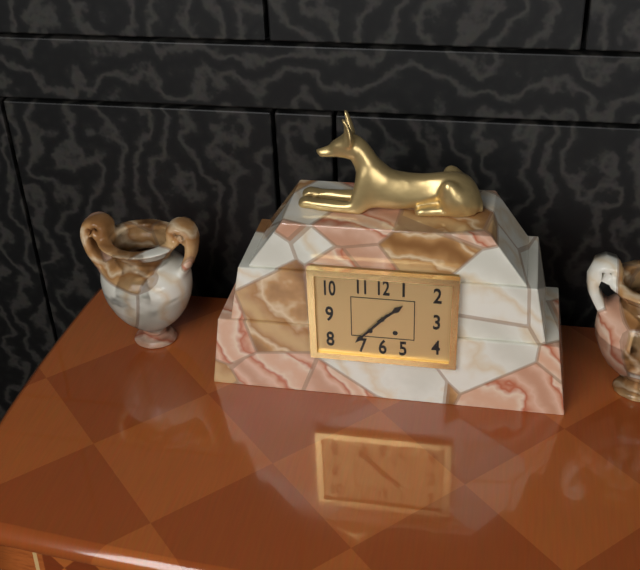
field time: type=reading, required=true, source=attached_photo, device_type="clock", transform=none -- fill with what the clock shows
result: 1:37
